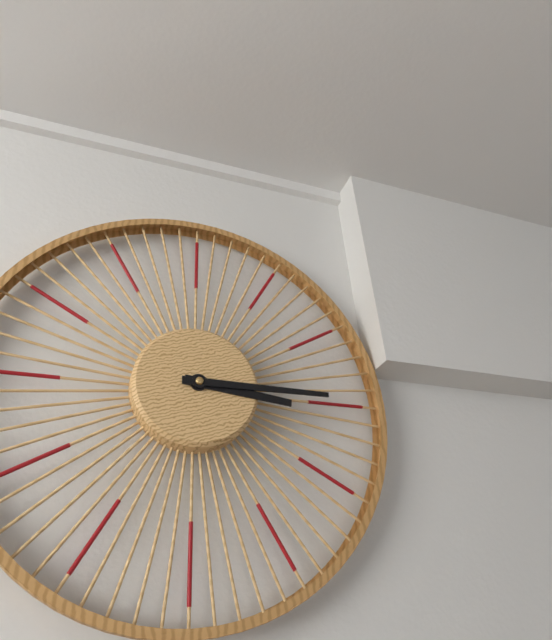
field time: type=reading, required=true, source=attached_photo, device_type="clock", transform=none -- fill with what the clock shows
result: 3:15
